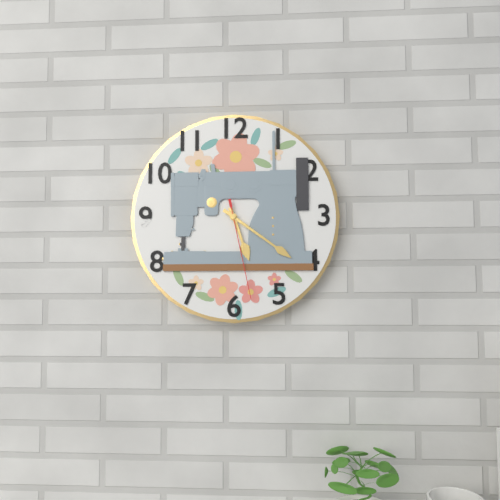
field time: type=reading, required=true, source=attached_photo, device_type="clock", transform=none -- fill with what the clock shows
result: 5:21:28
